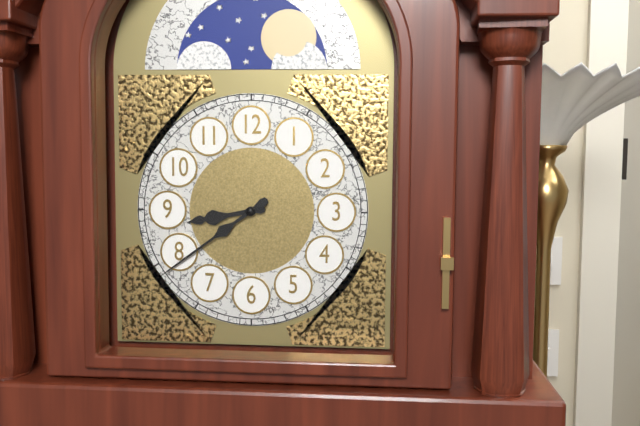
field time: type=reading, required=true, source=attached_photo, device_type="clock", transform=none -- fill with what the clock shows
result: 8:39
